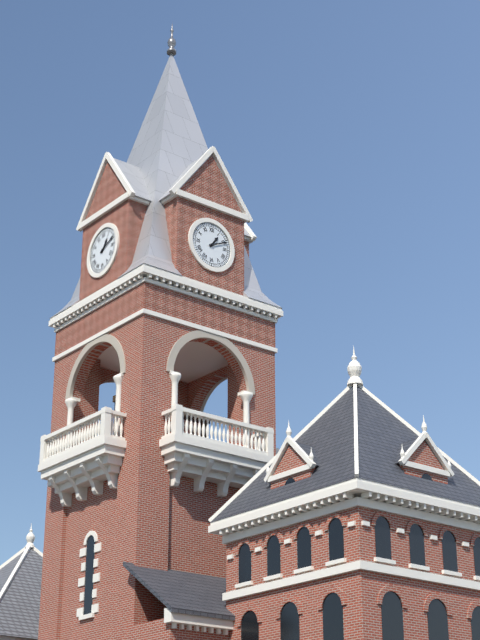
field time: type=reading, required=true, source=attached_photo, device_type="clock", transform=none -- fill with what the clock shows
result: 1:11
